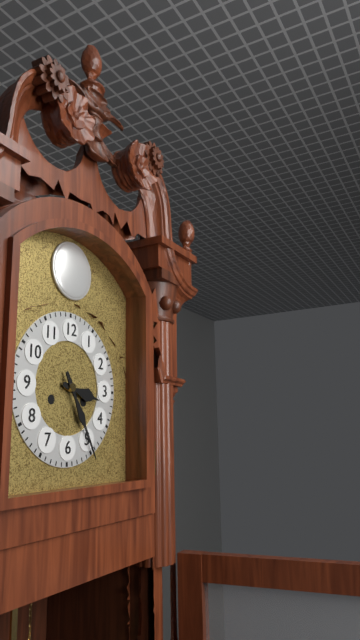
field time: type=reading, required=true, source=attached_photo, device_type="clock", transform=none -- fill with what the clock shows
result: 3:25
